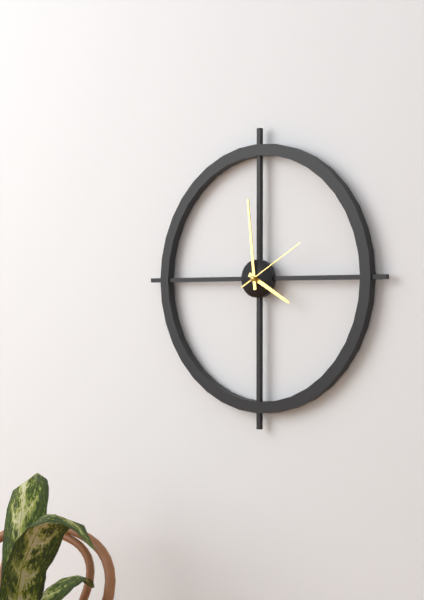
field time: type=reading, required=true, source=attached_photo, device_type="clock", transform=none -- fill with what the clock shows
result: 3:59:10
